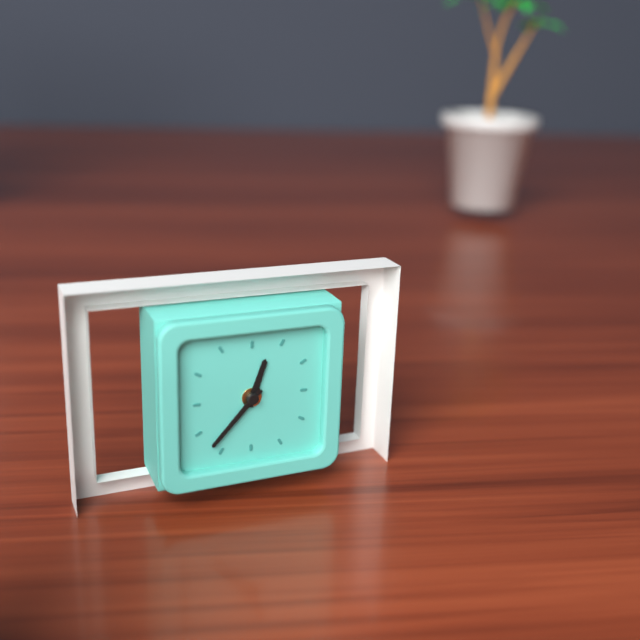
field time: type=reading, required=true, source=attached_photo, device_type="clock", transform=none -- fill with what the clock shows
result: 12:37
